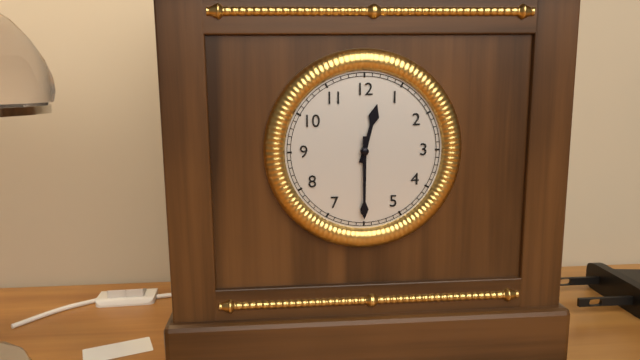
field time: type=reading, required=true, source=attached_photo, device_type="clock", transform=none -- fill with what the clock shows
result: 12:30
